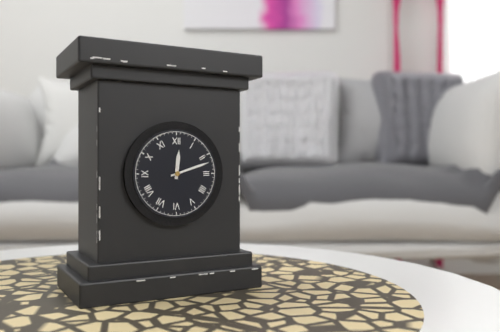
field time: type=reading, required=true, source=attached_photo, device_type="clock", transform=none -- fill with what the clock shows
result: 12:12
